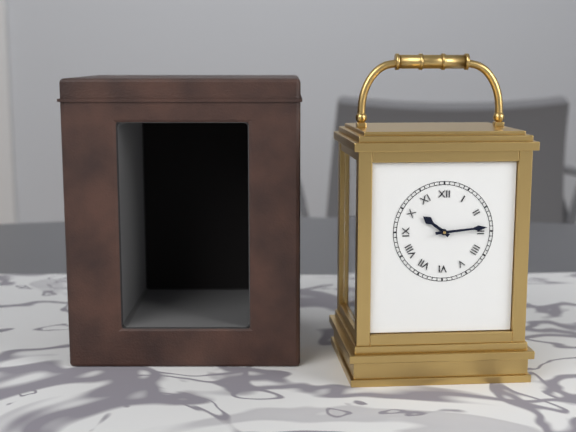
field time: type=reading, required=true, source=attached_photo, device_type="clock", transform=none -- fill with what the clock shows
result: 10:14
